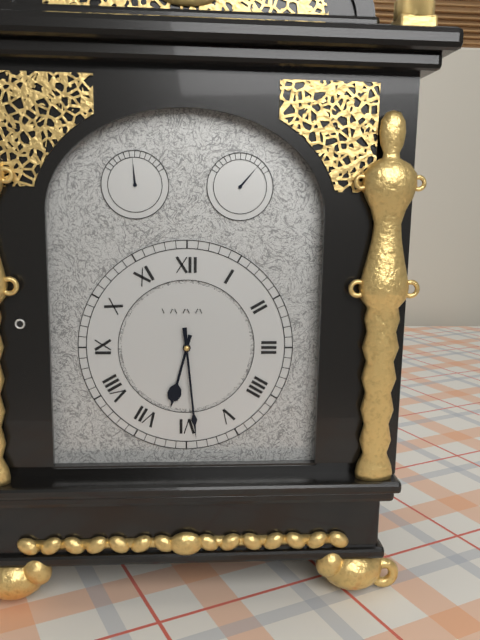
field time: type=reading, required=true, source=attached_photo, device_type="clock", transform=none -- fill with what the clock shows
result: 6:29
